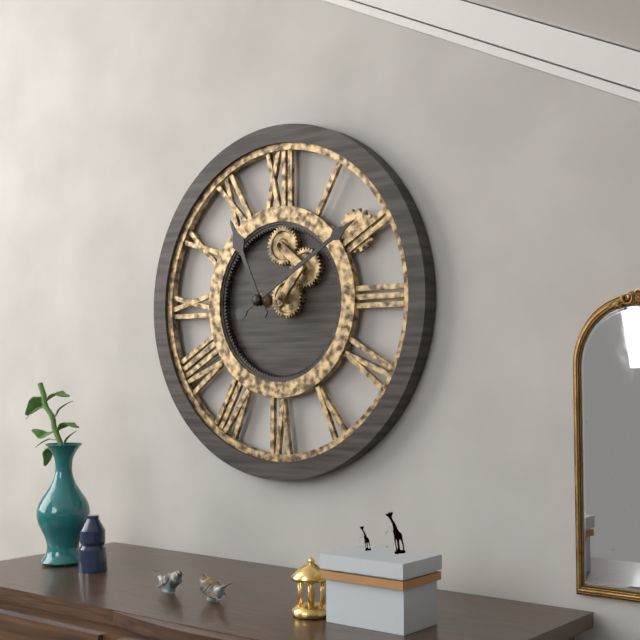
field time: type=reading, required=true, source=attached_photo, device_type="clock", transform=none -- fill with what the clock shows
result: 11:10
